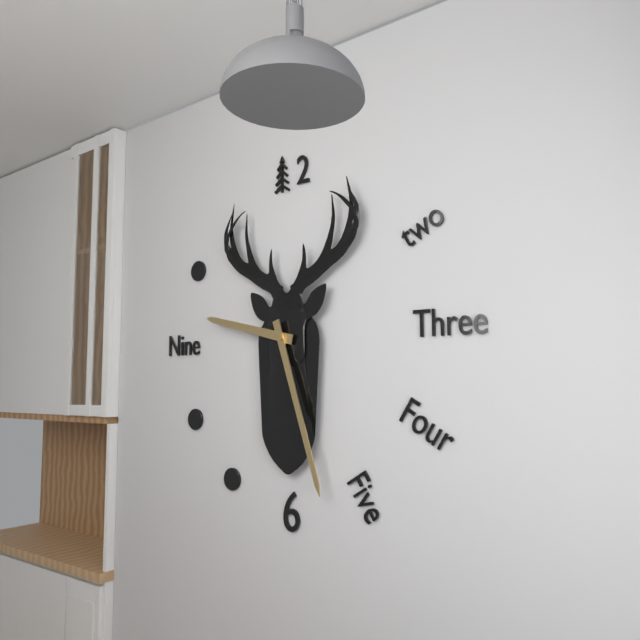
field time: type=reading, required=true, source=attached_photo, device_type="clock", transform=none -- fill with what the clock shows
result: 9:27
